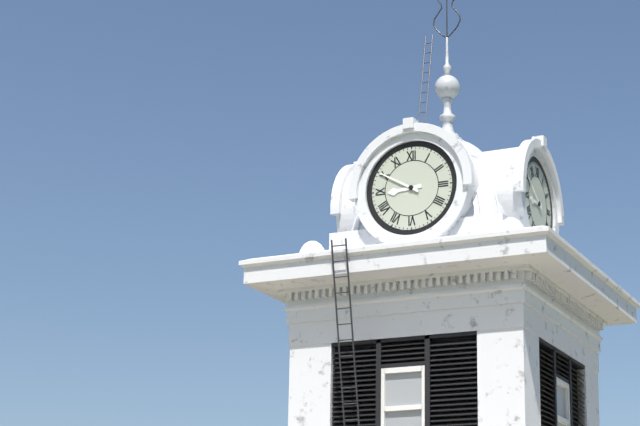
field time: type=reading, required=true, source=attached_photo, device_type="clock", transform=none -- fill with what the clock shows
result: 8:50
